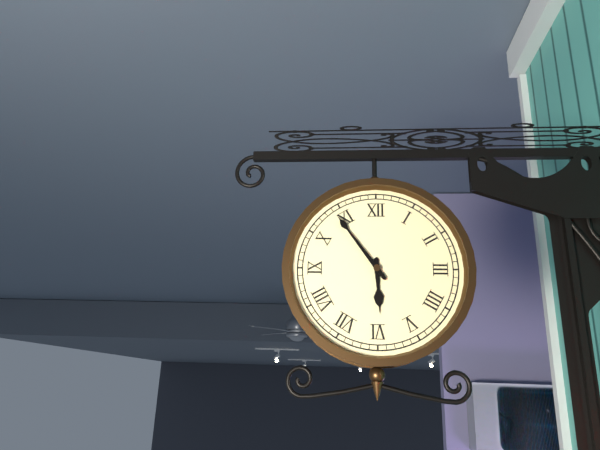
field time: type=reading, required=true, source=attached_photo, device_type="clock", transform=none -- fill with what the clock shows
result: 5:54
